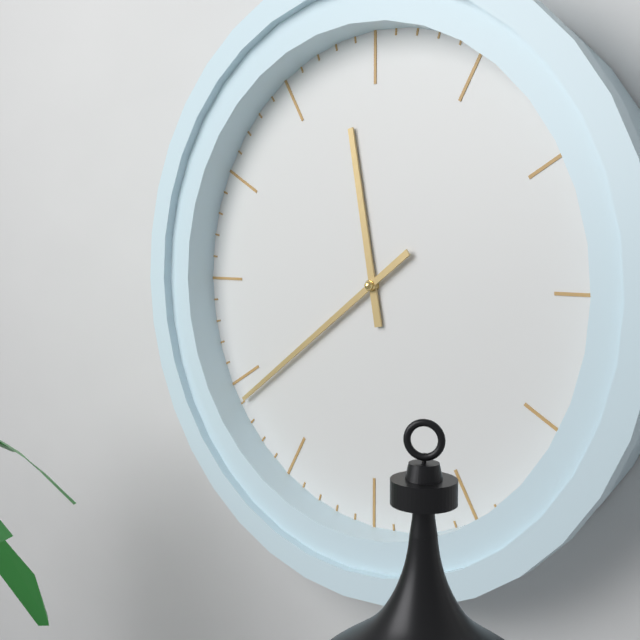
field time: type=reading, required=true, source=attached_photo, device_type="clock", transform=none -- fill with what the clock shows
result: 11:39
